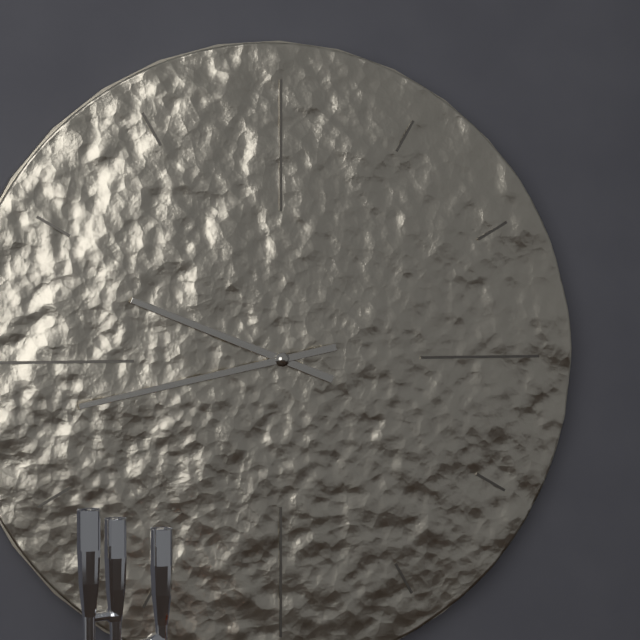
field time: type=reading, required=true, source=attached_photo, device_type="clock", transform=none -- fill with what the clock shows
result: 9:43
